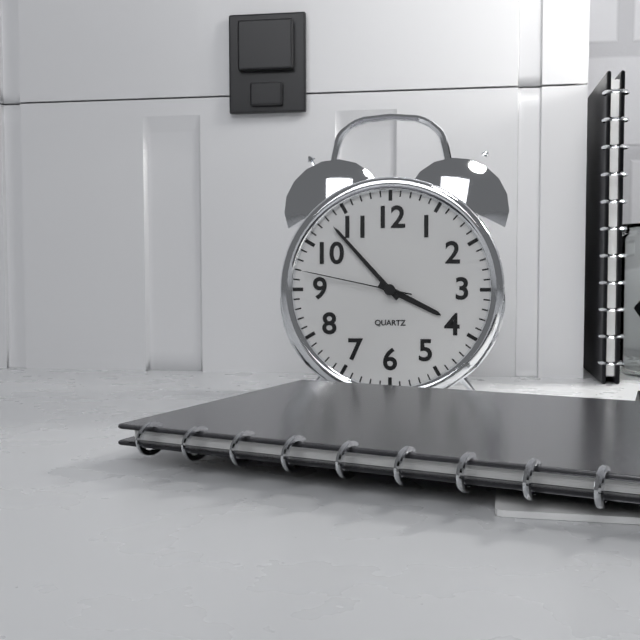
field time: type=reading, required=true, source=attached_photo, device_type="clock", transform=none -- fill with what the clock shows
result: 3:53:47
